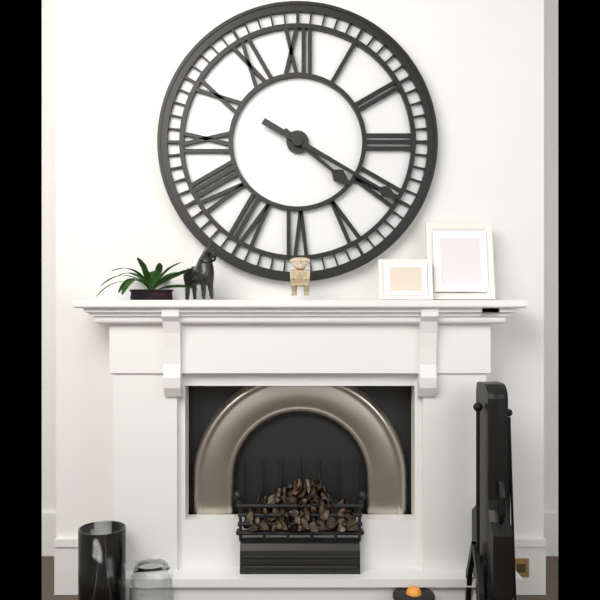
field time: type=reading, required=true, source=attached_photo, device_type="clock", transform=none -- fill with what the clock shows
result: 4:20
